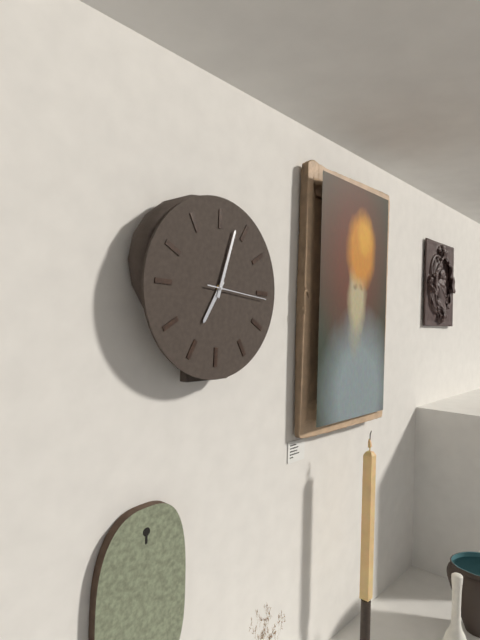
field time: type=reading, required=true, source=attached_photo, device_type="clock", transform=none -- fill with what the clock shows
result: 7:03:16
